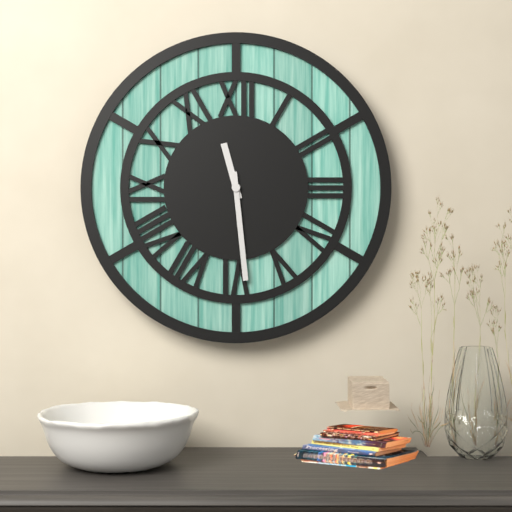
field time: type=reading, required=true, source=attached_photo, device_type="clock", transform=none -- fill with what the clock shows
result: 11:29
